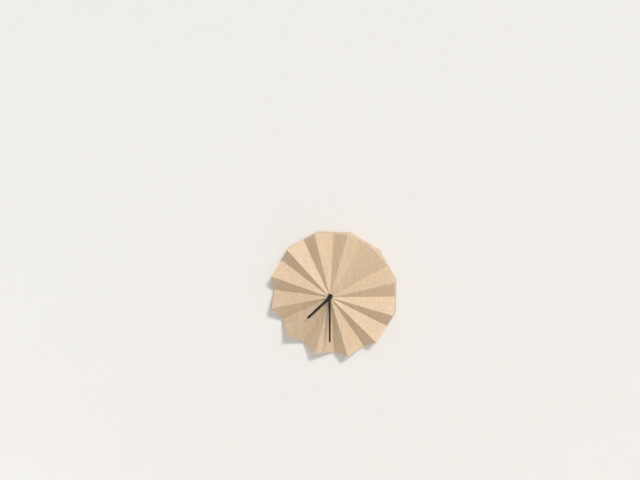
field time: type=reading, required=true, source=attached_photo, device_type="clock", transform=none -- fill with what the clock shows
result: 7:30
